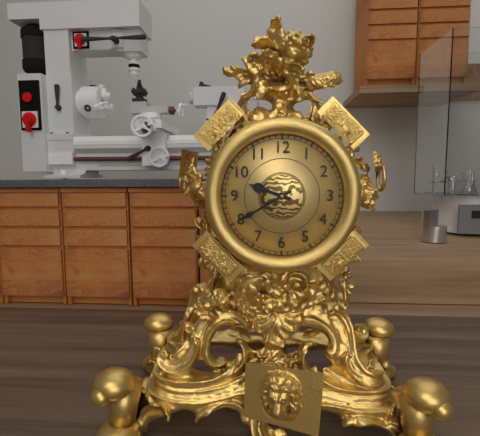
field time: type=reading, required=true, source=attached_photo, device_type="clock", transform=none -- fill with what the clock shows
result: 9:40
